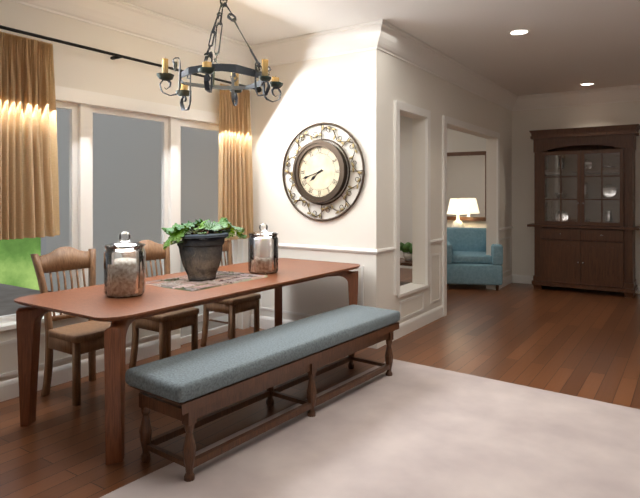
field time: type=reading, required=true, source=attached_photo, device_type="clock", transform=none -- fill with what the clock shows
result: 7:42
